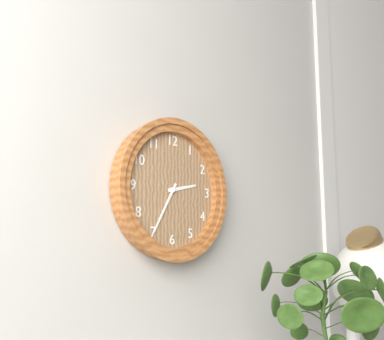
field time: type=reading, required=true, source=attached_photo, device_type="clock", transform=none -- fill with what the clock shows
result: 2:35
